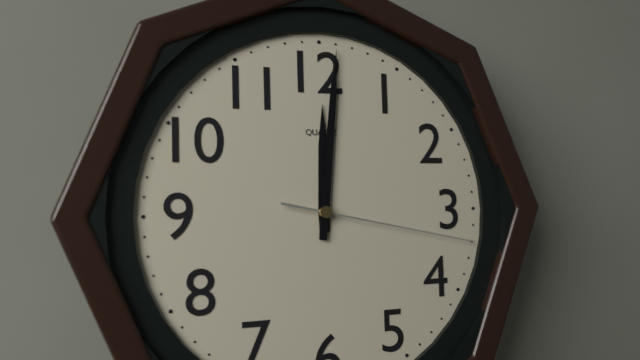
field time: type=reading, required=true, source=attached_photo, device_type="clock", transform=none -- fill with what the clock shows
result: 12:01:17
